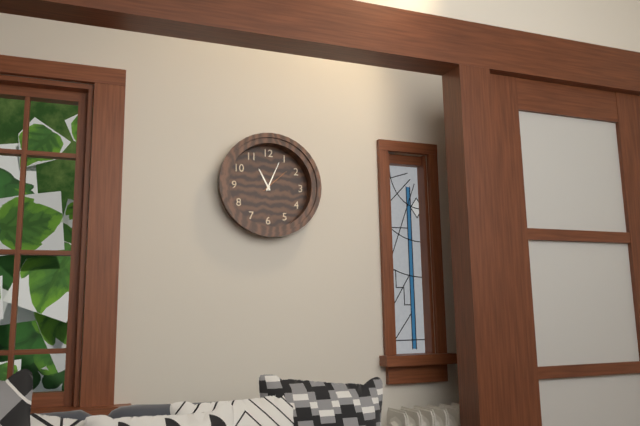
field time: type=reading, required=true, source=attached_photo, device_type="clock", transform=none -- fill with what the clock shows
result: 11:04
